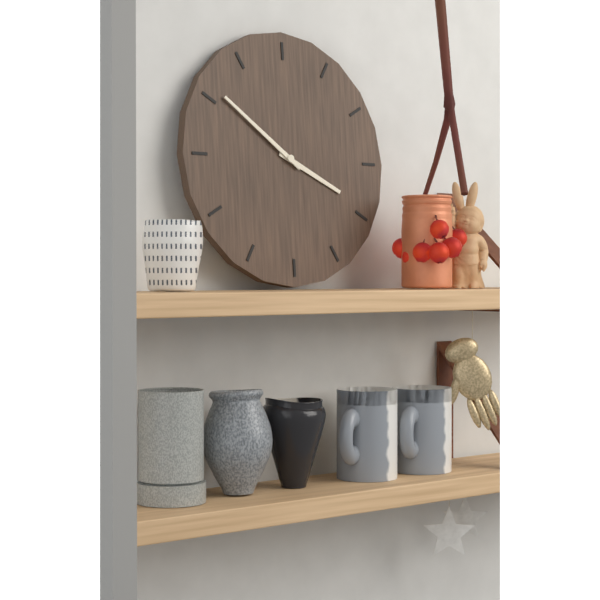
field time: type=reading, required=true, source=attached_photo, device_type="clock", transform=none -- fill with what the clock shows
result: 3:51
